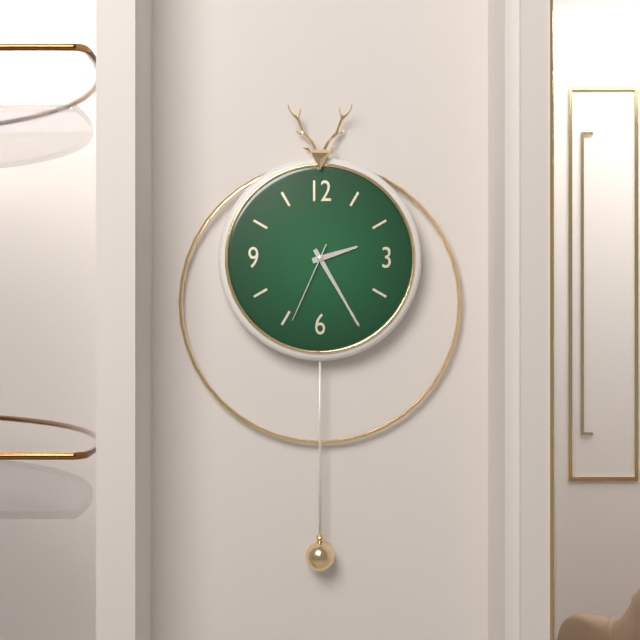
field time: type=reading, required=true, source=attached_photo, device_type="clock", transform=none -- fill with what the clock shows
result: 2:25:34
